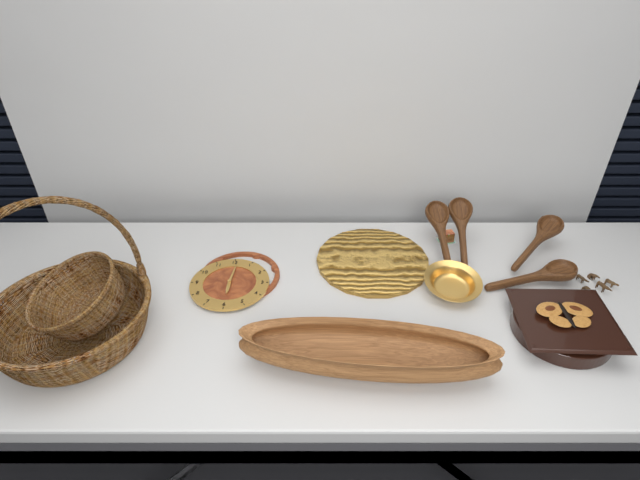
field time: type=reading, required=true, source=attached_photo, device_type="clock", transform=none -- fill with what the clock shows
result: 6:01
